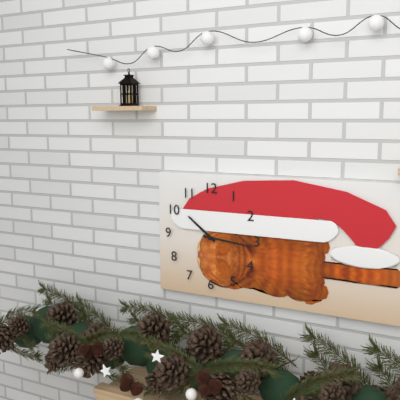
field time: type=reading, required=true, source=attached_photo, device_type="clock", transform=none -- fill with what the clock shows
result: 10:16
